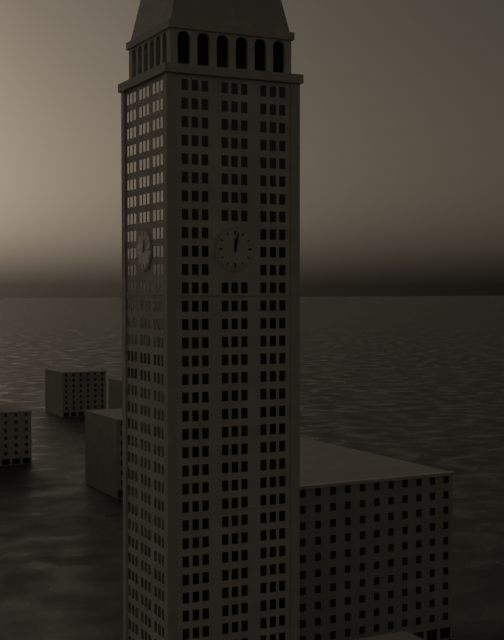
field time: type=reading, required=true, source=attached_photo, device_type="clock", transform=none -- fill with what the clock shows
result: 12:02
